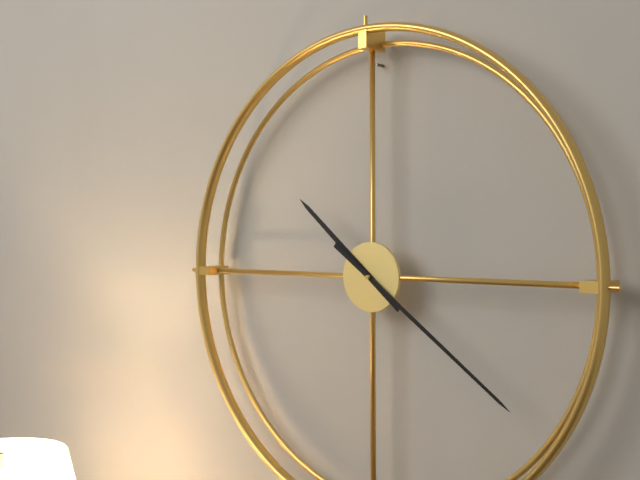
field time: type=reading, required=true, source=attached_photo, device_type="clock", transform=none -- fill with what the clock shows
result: 10:21
